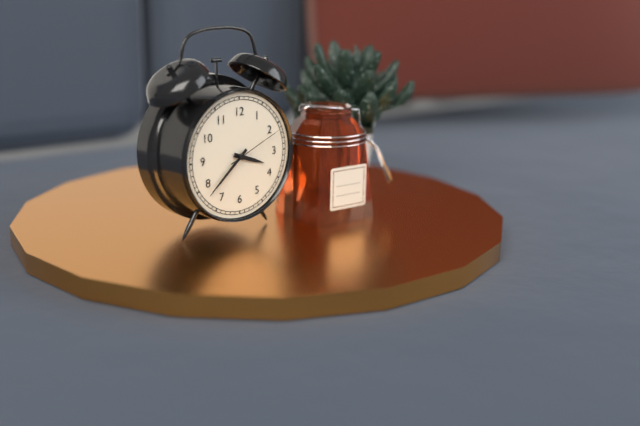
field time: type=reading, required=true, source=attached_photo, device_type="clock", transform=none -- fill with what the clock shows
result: 3:38:11
